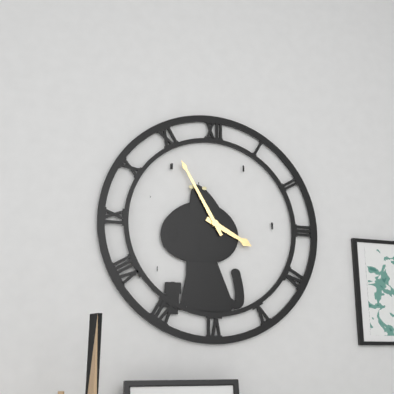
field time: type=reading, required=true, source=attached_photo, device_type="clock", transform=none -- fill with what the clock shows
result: 3:55
